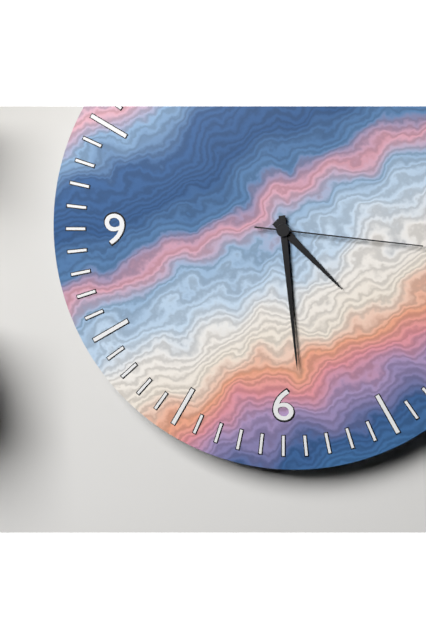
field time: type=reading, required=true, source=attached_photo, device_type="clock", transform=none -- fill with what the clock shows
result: 4:29:16
